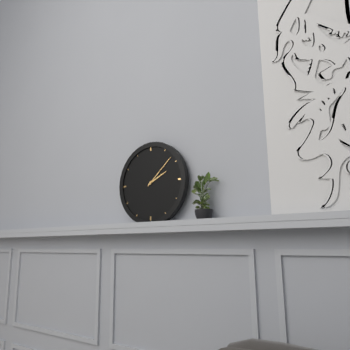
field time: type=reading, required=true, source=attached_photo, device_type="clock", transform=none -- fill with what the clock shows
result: 2:08
